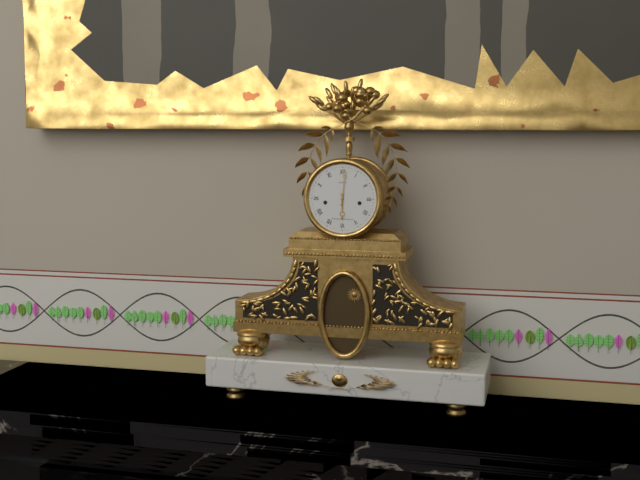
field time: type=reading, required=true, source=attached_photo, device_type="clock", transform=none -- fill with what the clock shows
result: 6:01
